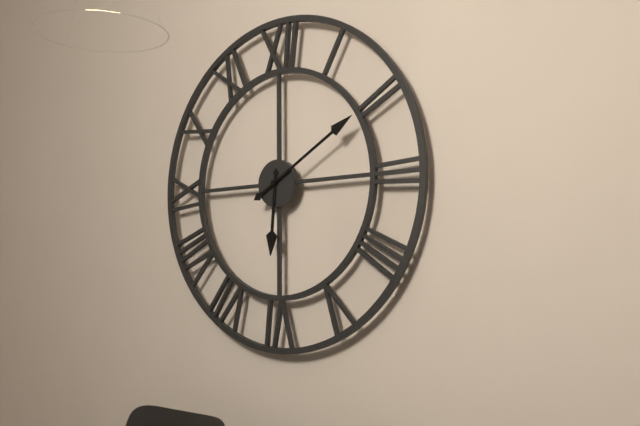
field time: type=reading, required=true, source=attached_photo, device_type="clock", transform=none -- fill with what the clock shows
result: 6:10
